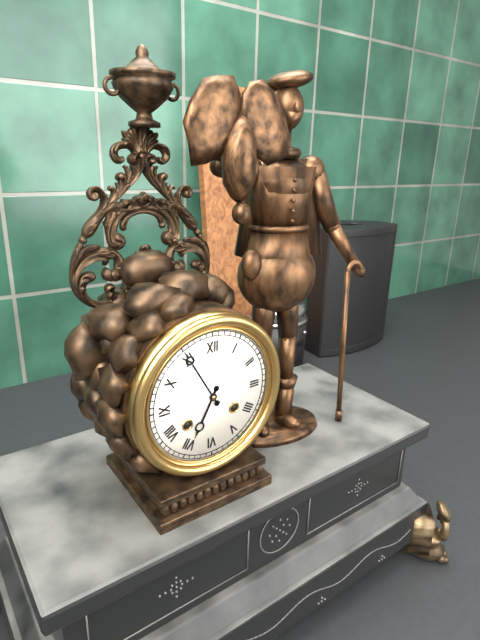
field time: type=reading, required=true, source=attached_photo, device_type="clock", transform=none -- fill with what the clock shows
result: 6:55
